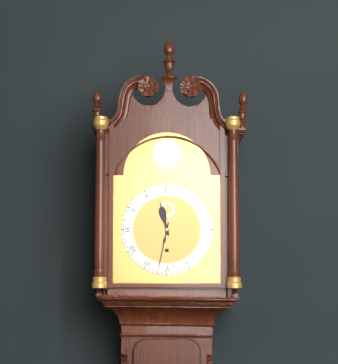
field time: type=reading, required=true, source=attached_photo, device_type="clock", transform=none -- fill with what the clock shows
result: 11:32
